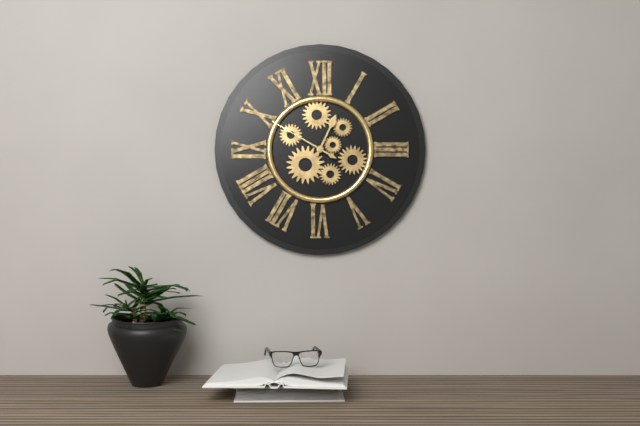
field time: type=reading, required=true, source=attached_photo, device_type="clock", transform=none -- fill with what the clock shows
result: 12:50
